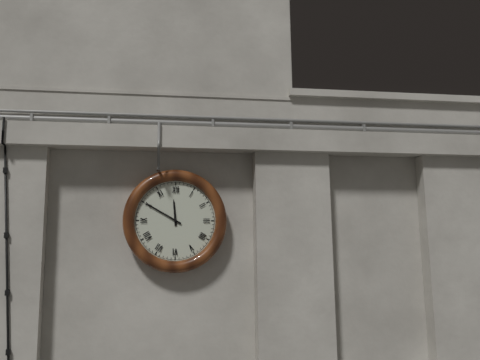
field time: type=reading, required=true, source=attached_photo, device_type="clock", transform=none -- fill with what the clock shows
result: 11:50
